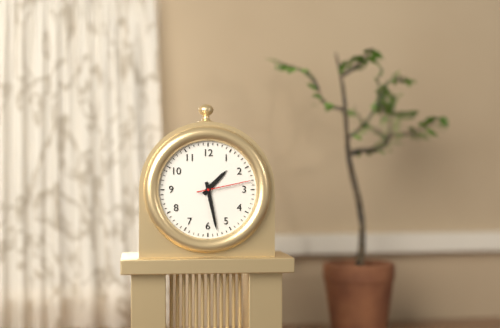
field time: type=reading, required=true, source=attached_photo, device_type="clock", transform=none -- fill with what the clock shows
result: 1:28:13
